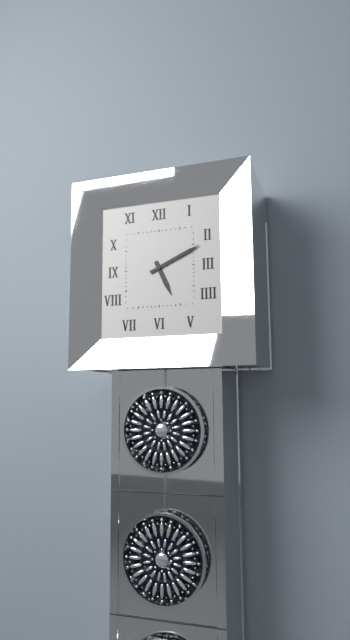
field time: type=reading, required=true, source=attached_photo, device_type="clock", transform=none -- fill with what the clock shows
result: 5:11
